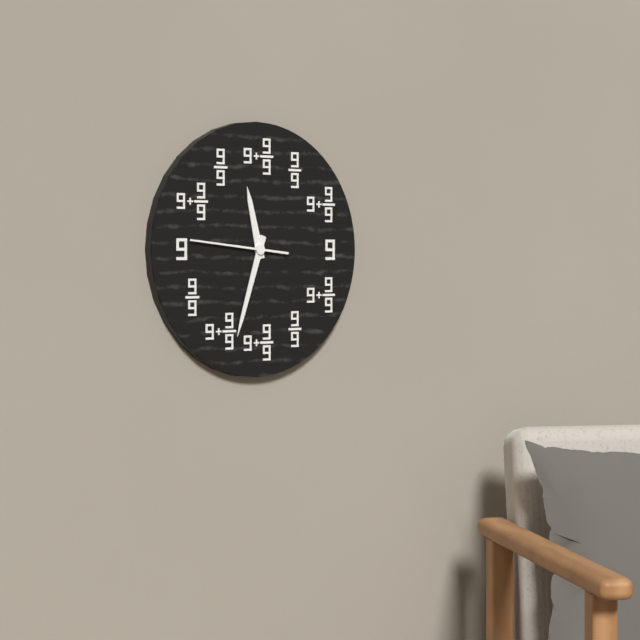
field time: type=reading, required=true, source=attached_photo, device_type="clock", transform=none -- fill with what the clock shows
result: 11:33:46
